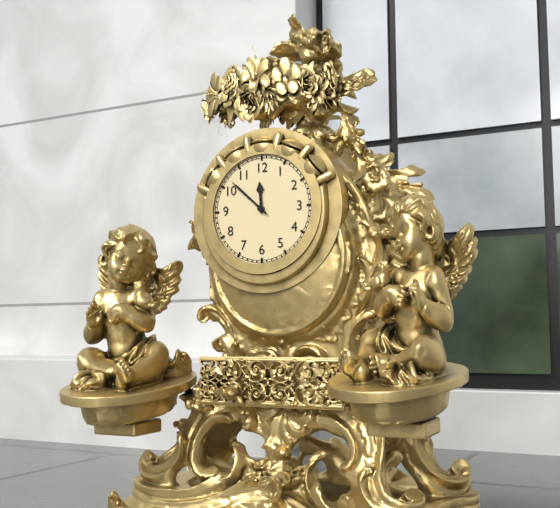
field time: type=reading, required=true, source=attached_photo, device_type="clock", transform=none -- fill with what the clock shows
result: 11:52
